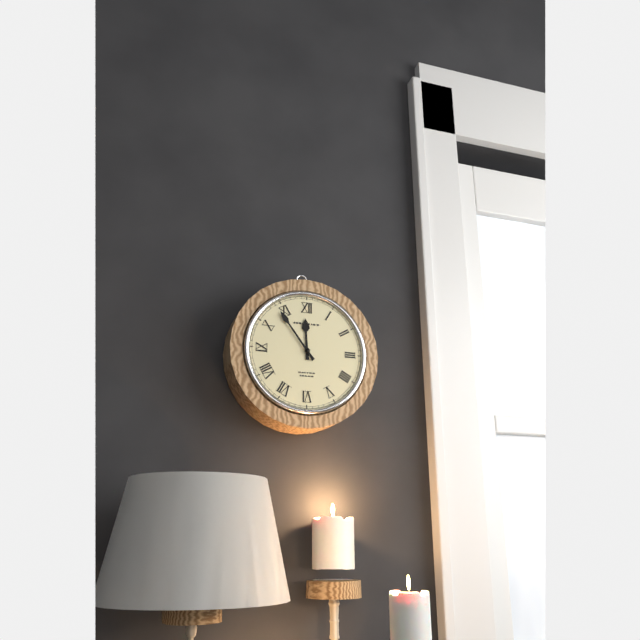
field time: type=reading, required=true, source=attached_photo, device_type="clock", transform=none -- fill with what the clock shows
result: 11:54
